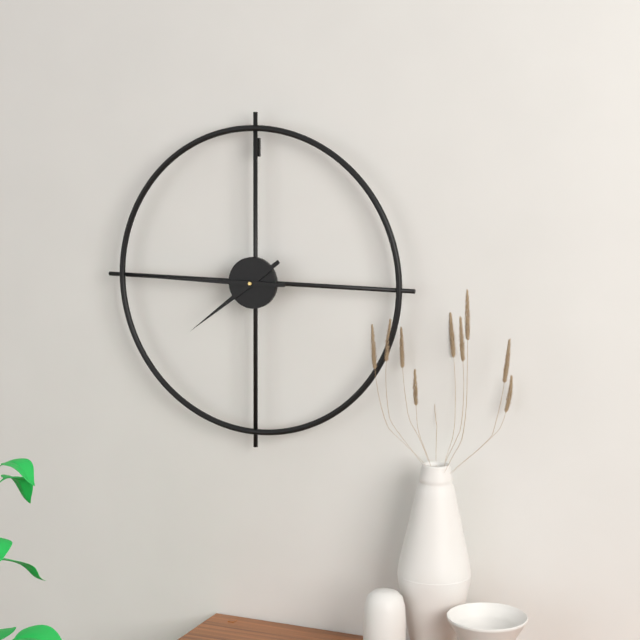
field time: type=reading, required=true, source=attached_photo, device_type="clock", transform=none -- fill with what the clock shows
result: 7:45
